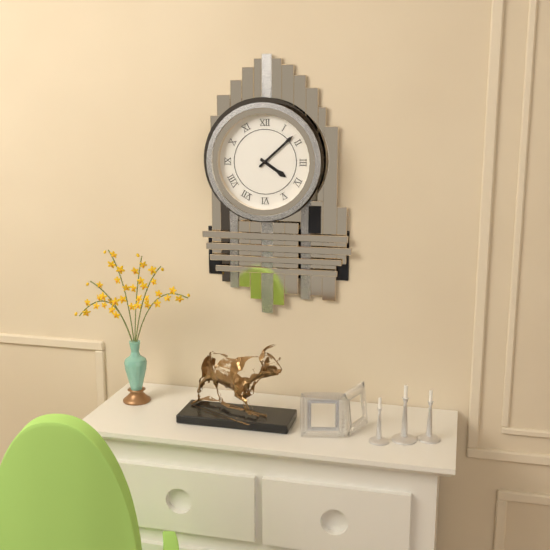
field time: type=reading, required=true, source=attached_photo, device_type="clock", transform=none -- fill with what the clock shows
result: 4:08
